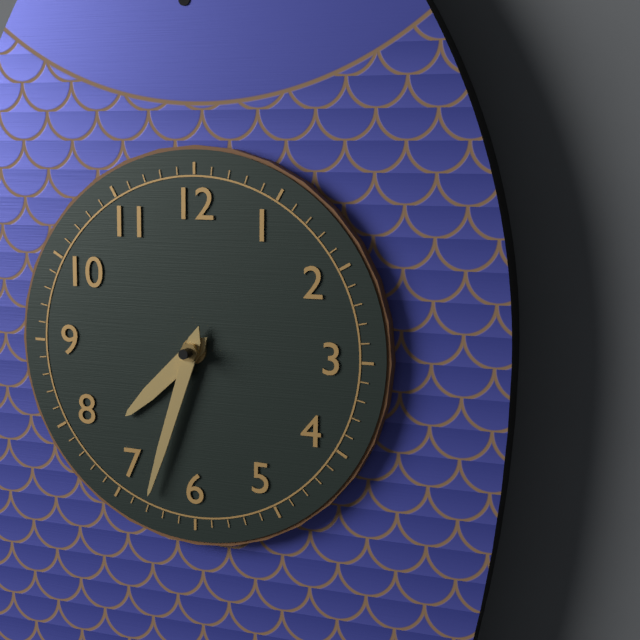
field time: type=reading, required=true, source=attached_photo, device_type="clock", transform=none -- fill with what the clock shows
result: 7:33
